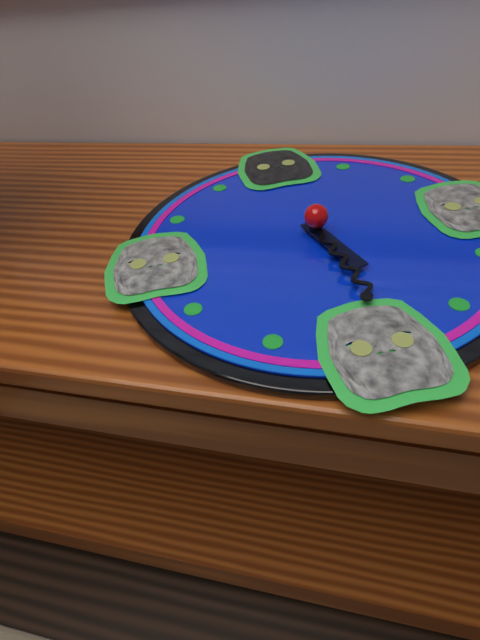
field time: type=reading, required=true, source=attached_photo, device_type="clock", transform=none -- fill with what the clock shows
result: 5:29
